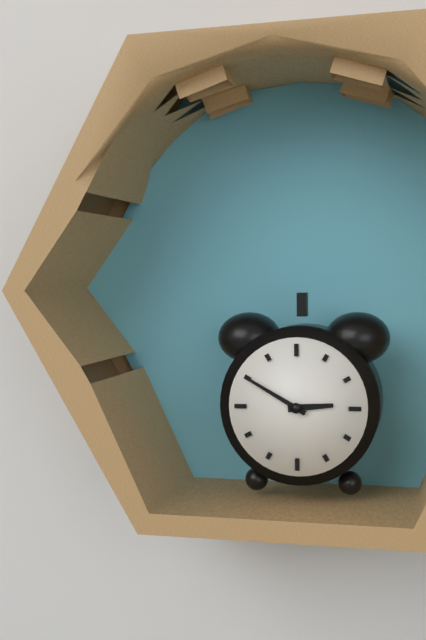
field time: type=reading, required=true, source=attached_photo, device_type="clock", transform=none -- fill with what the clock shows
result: 2:50
